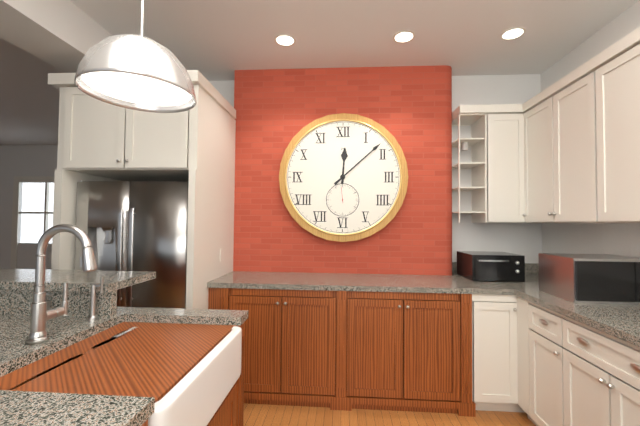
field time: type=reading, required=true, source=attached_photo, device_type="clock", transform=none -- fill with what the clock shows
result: 12:08
